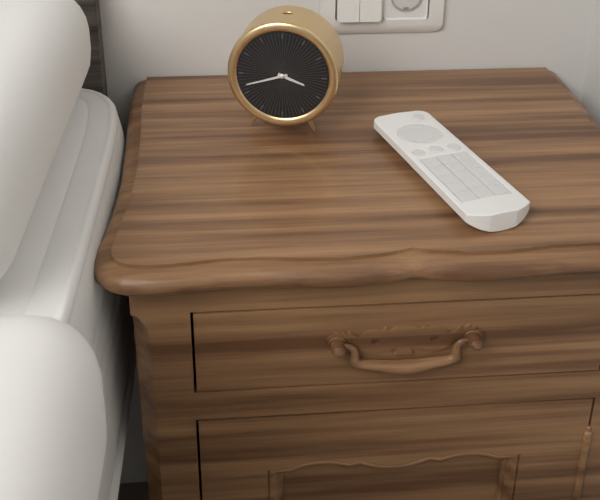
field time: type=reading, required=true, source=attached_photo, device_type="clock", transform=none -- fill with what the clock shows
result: 3:42
